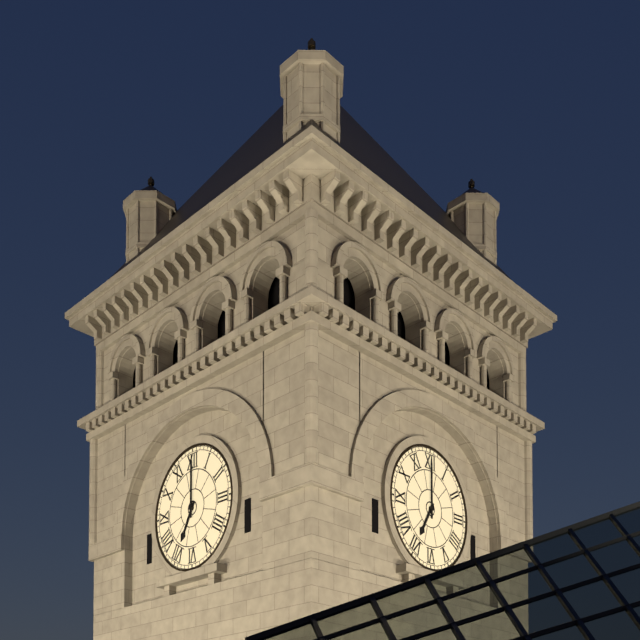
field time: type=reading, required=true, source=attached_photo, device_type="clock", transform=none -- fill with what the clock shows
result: 7:00
